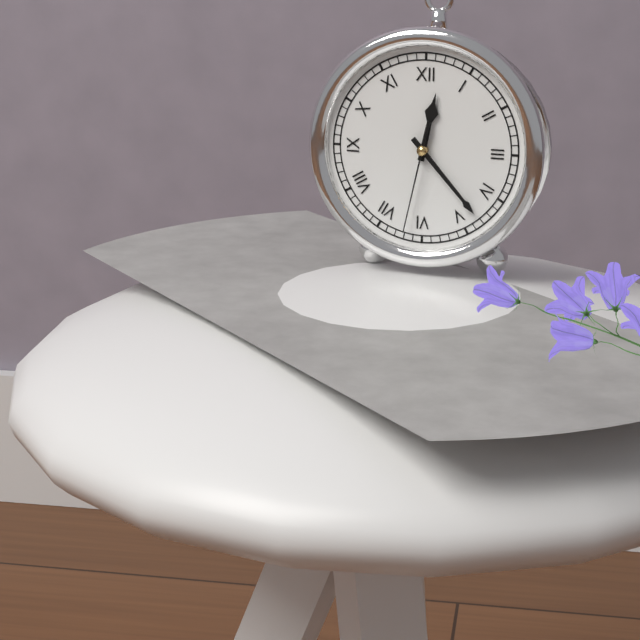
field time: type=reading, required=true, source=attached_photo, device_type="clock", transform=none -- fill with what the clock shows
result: 12:23:32
